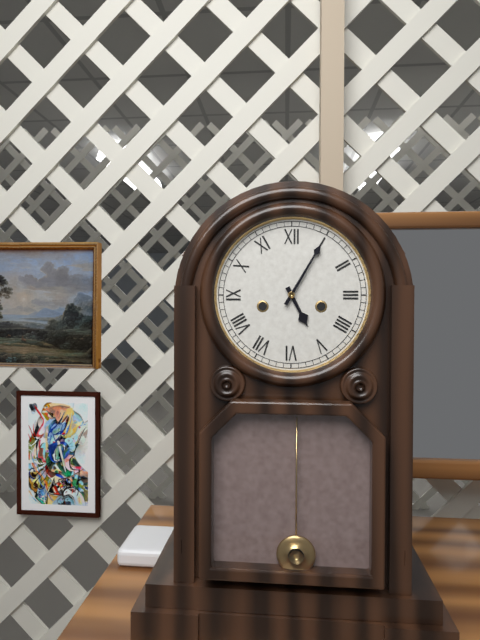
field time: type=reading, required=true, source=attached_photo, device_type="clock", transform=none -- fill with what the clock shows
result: 5:05
